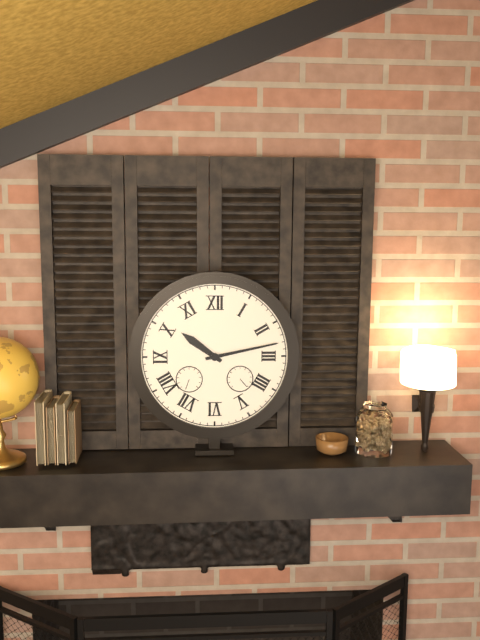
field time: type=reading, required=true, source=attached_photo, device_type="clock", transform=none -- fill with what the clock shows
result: 10:13
